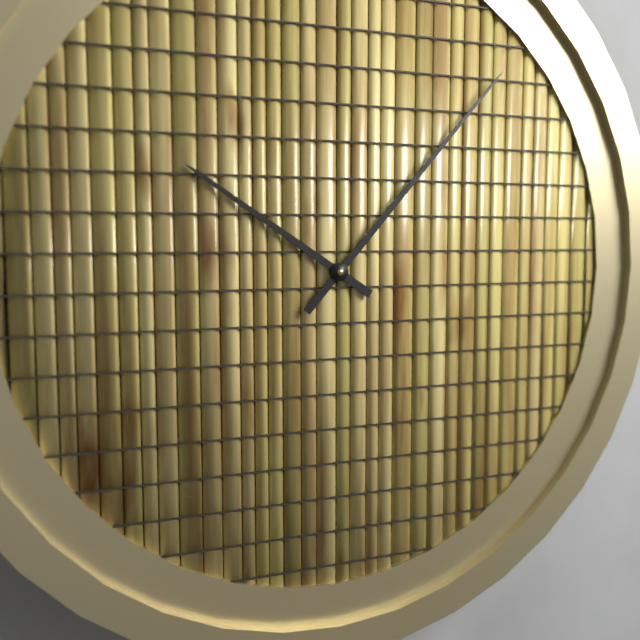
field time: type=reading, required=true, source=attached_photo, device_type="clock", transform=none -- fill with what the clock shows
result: 10:07
